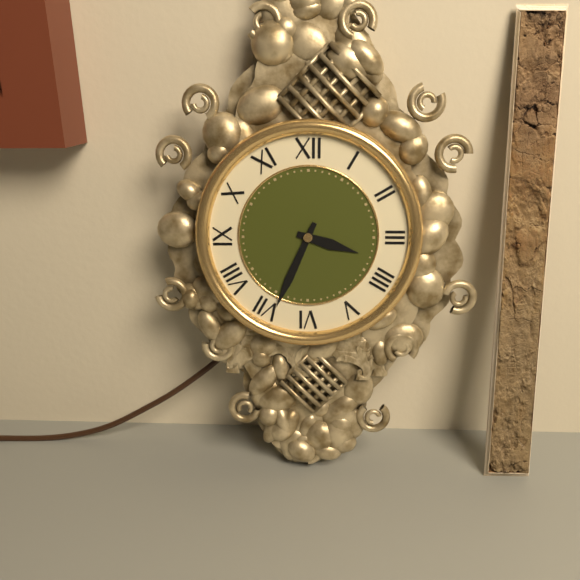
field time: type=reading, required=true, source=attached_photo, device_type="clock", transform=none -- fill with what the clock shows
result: 3:34
